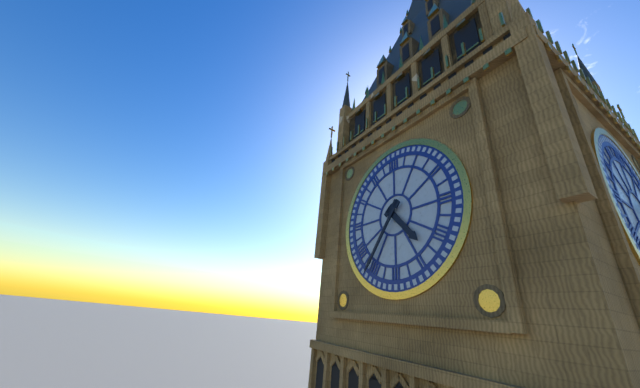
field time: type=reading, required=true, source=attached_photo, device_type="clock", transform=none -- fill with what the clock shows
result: 4:36
